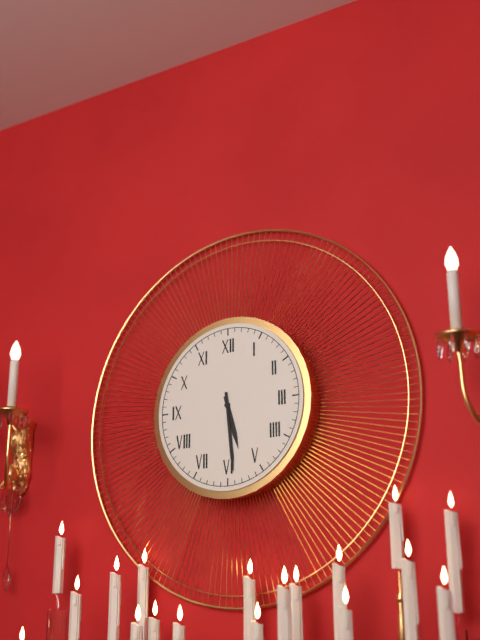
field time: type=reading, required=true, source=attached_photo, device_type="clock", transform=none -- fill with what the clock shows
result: 5:29
